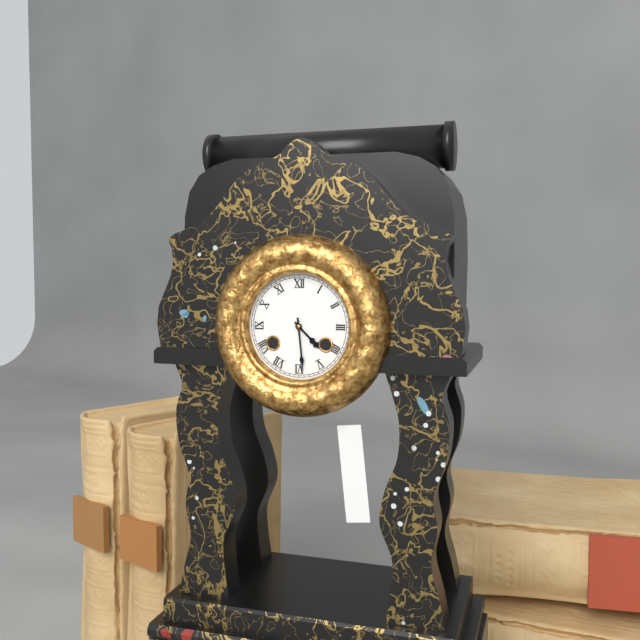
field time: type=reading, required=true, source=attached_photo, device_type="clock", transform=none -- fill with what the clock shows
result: 4:29
